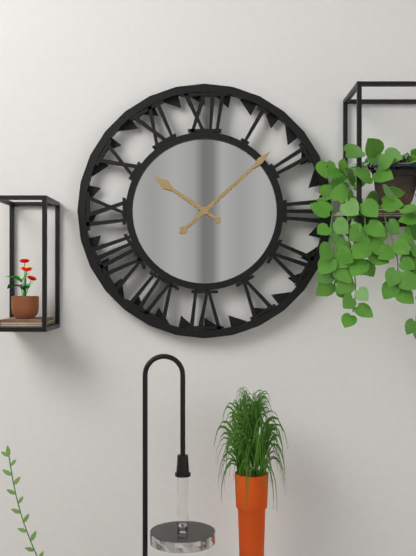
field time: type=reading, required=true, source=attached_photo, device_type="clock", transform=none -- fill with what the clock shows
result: 10:08
